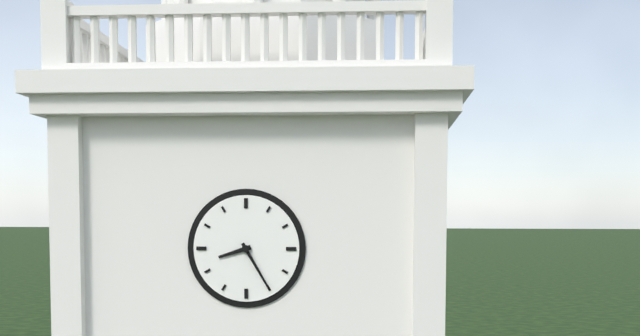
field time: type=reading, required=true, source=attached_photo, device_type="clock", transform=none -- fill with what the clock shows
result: 8:25
